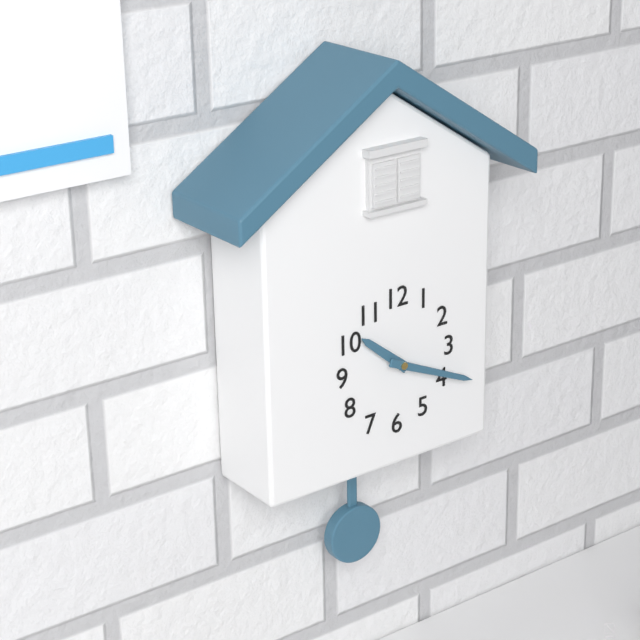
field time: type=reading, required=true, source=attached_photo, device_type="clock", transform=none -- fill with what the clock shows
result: 10:19
